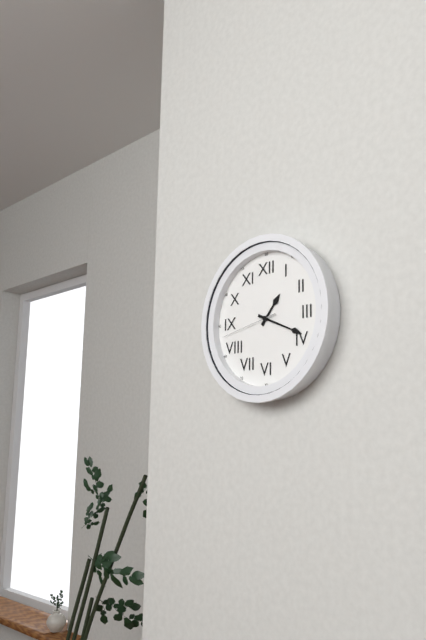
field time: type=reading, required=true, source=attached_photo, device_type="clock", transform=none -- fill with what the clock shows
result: 1:19:43
